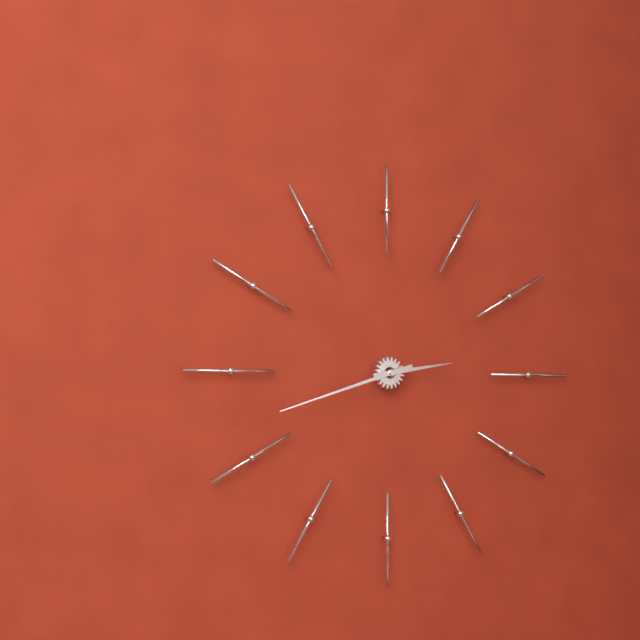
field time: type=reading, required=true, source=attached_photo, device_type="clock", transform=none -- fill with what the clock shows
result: 2:42
